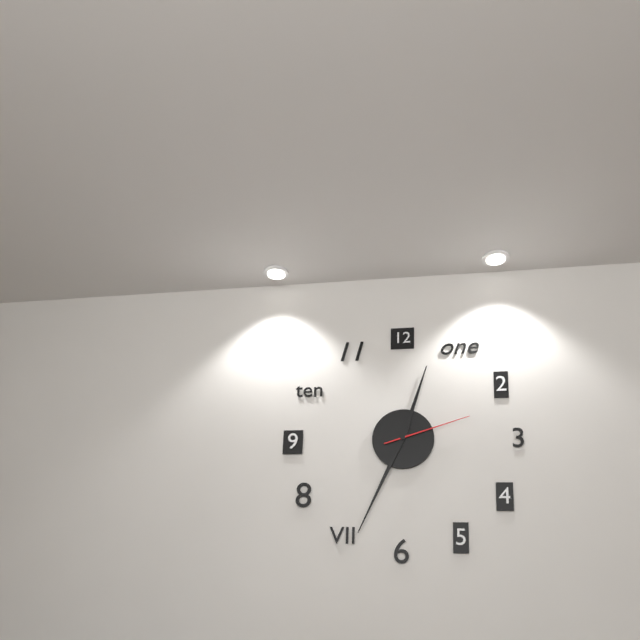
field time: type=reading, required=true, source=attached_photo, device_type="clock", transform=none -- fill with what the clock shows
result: 12:34:12
